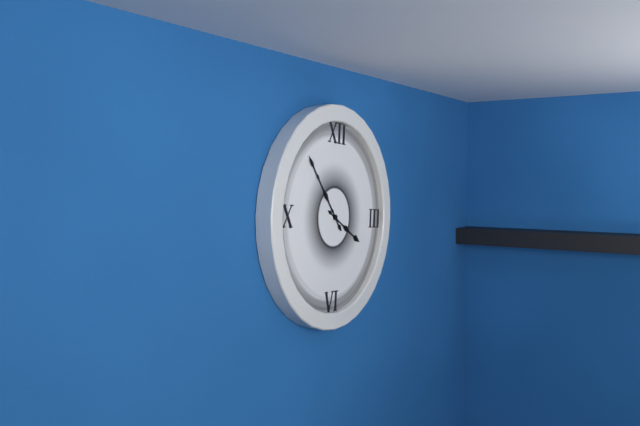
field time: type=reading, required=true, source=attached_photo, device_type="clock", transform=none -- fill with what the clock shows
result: 3:53
